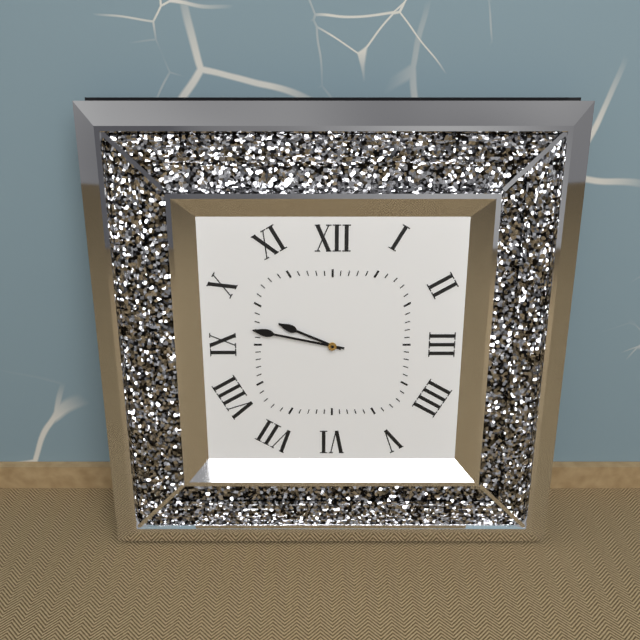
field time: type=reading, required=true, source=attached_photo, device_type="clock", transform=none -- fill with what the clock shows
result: 9:47
